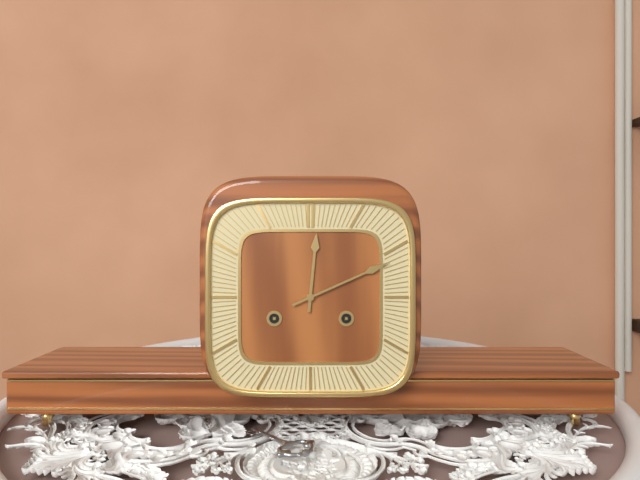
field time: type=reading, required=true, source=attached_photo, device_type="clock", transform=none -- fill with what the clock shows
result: 12:11
